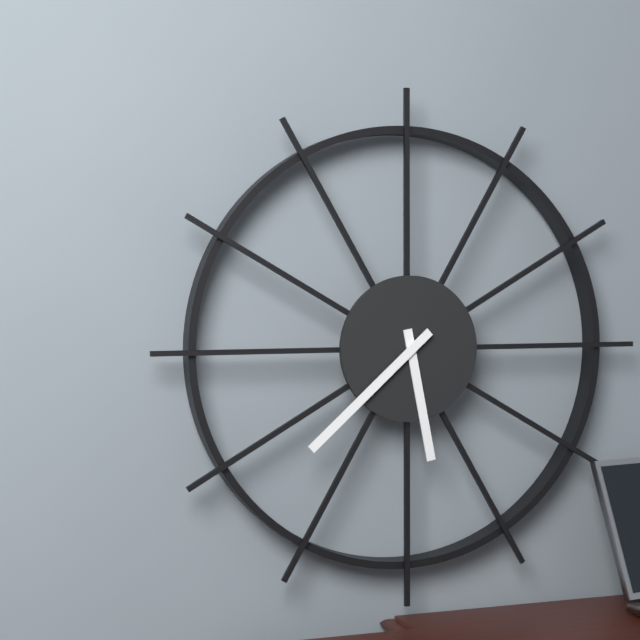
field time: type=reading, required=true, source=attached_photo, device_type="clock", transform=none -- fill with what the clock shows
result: 5:38
